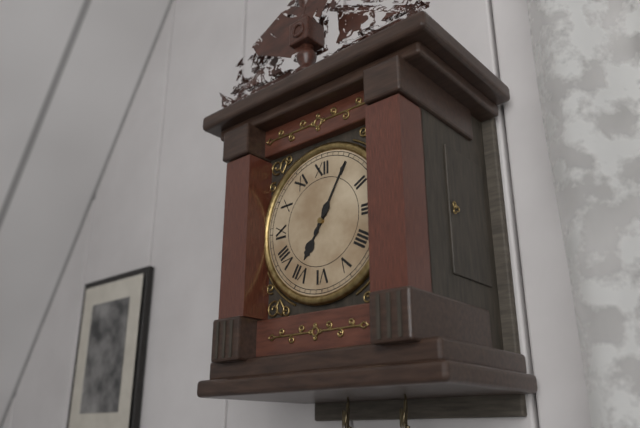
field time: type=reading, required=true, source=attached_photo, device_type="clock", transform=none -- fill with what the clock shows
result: 7:05
